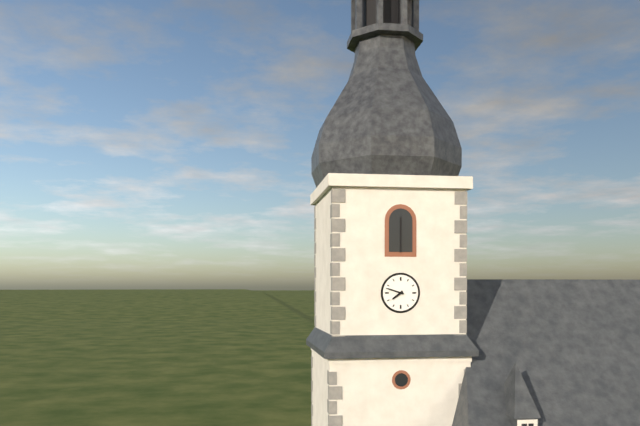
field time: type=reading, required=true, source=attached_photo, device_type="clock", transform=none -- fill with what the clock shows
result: 7:48
